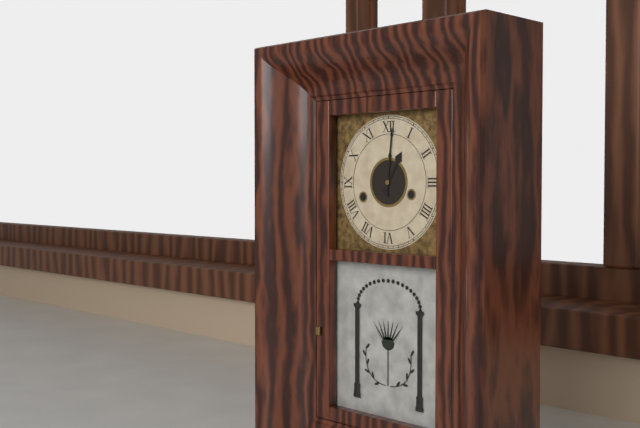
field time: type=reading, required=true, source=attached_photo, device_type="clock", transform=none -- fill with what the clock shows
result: 1:01
